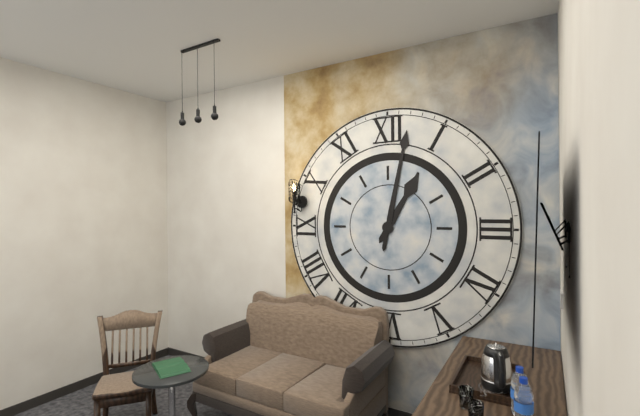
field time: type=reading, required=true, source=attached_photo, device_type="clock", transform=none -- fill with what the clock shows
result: 1:02
